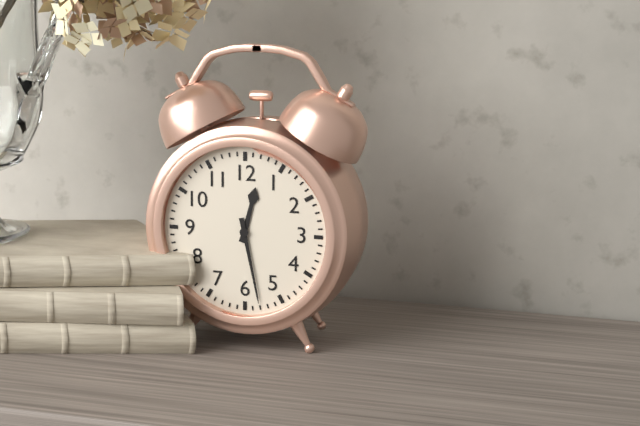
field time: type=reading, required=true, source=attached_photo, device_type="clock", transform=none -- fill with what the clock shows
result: 12:28
